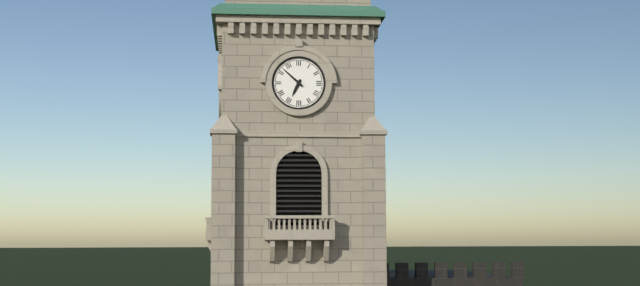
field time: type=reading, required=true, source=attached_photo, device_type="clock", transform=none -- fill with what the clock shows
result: 6:52
